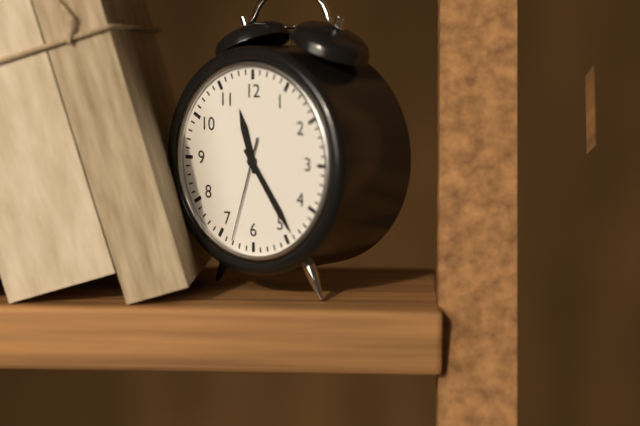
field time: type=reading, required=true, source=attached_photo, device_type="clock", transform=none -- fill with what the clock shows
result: 11:24:33
